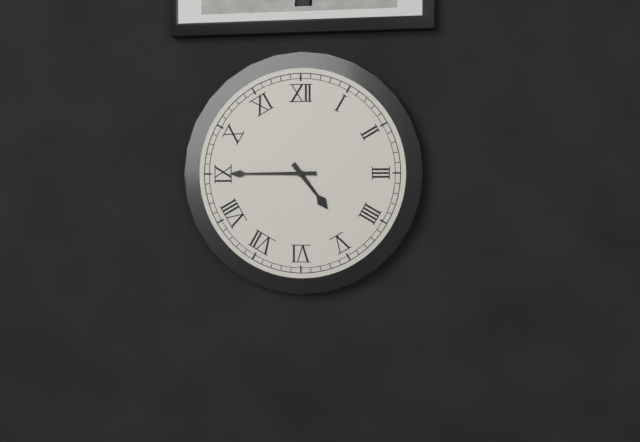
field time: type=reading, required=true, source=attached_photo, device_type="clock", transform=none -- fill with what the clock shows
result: 4:45
